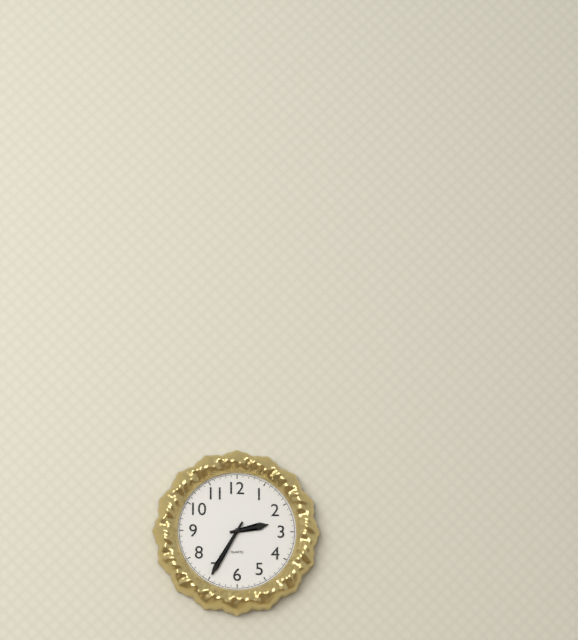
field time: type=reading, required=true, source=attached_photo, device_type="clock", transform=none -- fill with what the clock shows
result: 2:35
